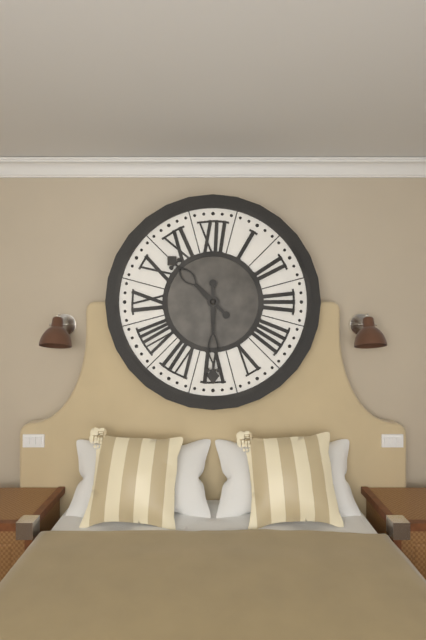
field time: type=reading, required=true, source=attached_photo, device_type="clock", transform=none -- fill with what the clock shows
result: 10:30
